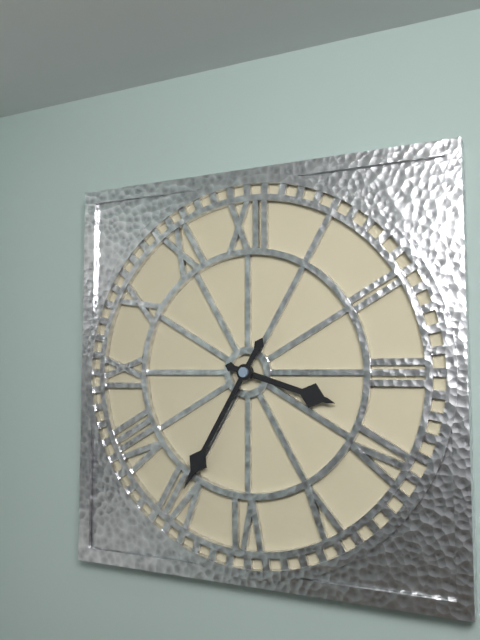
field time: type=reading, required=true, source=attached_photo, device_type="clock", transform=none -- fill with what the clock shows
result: 3:35
